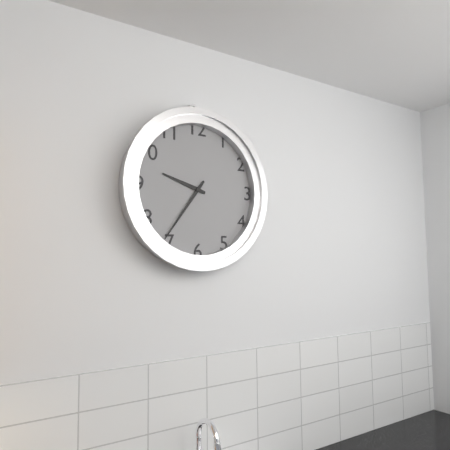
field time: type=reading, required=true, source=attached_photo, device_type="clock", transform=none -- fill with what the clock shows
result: 9:36
